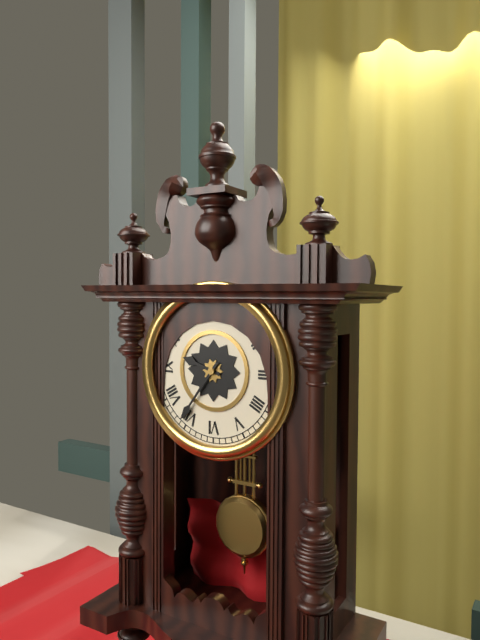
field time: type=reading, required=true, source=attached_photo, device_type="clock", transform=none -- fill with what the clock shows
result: 9:36
